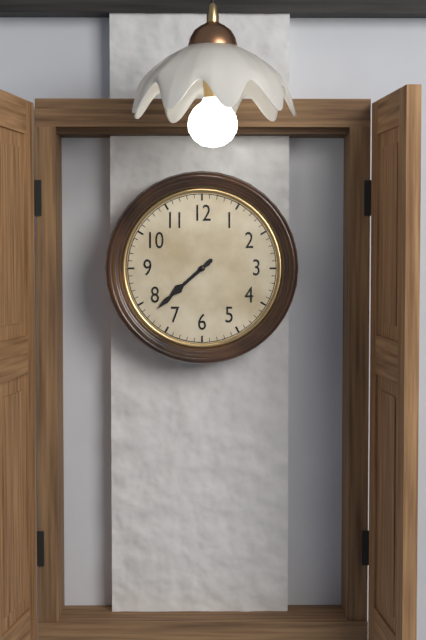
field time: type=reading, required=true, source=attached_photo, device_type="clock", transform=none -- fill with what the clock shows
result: 7:38
